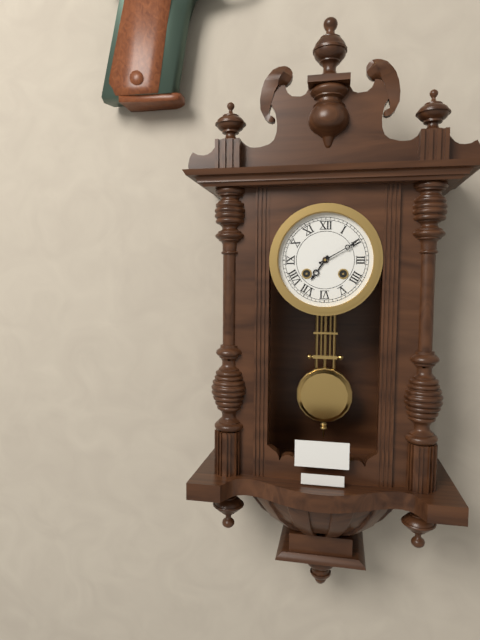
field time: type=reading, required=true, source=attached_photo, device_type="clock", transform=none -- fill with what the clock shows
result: 7:10
